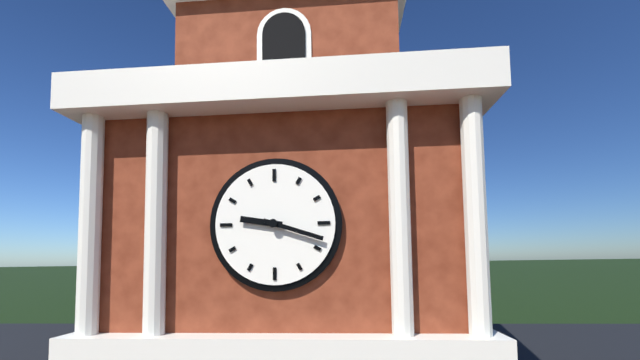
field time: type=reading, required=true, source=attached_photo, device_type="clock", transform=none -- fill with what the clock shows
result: 9:18
